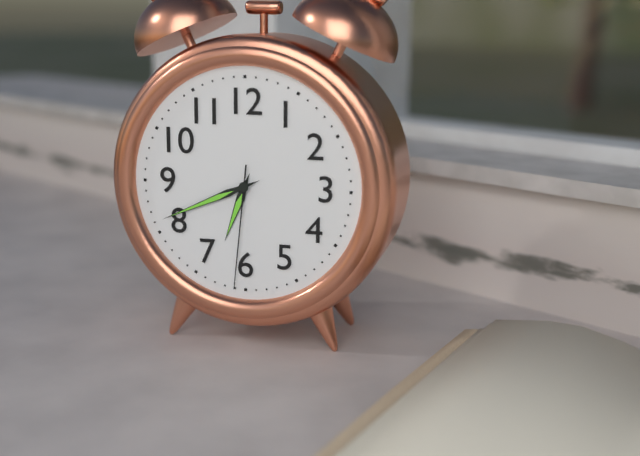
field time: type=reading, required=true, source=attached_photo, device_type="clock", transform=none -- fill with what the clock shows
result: 6:41:31
